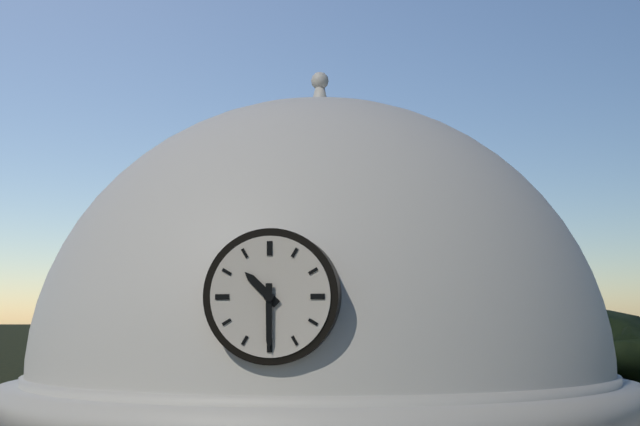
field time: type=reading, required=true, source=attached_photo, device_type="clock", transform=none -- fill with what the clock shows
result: 10:30
